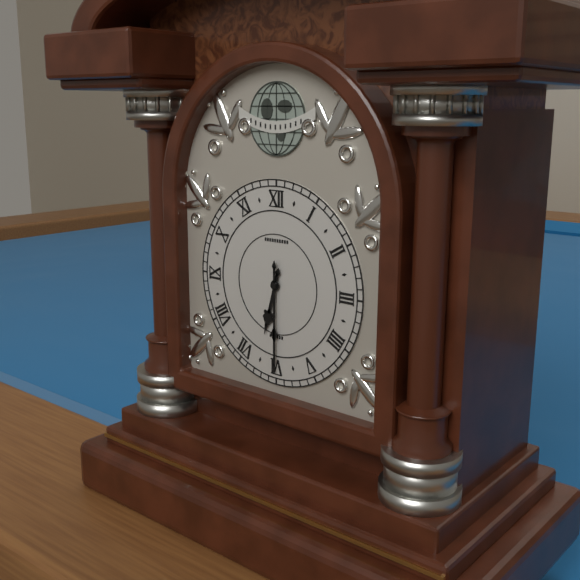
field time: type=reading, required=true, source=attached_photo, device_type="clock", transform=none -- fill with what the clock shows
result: 6:30
